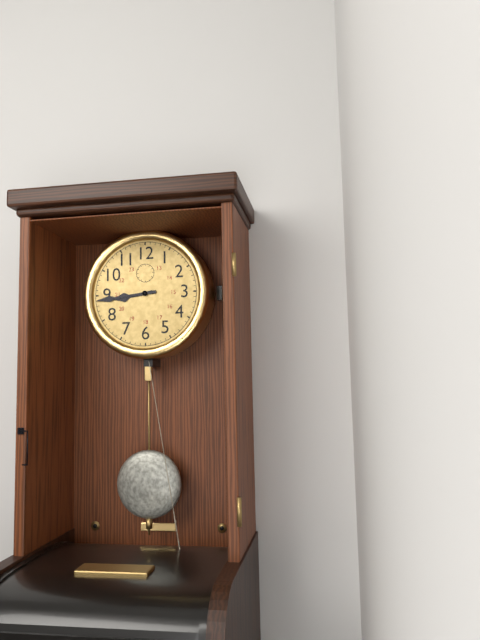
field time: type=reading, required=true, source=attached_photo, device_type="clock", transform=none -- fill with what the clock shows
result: 8:44
